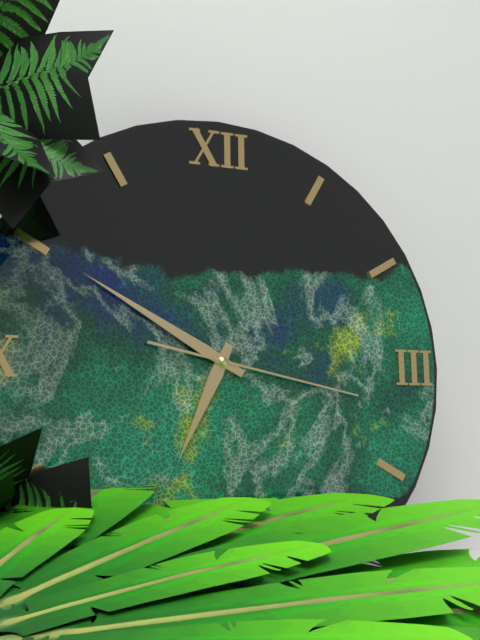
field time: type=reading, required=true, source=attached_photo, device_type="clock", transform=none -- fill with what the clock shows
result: 6:50:17
